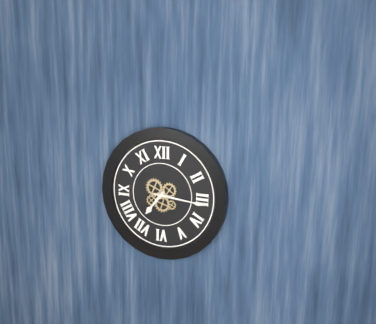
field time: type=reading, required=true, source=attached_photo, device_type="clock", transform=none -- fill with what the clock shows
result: 7:16
